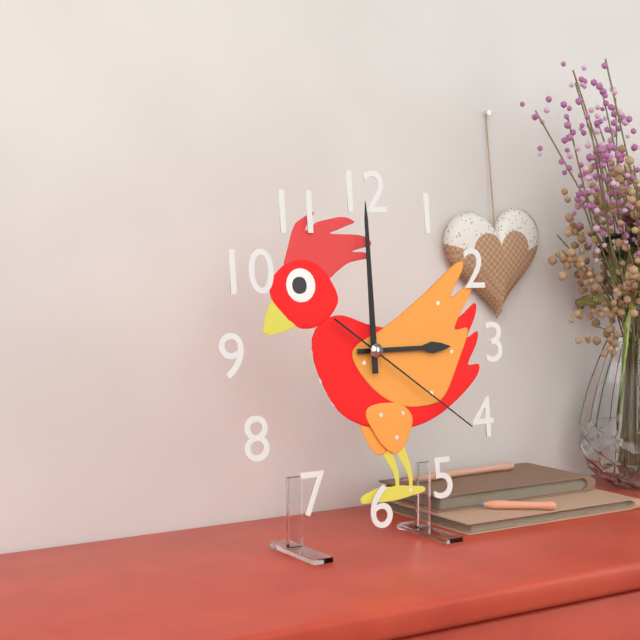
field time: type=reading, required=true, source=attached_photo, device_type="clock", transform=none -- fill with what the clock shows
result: 3:00:21
